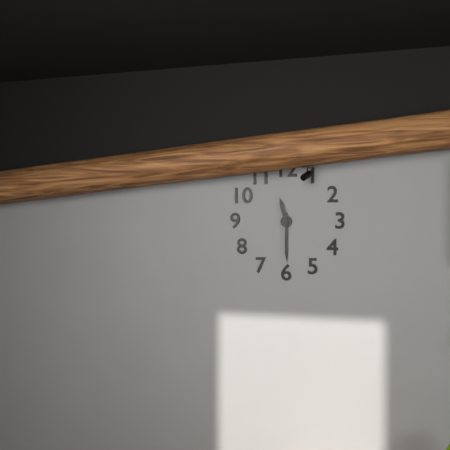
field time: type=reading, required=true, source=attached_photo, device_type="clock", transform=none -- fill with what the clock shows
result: 11:30
